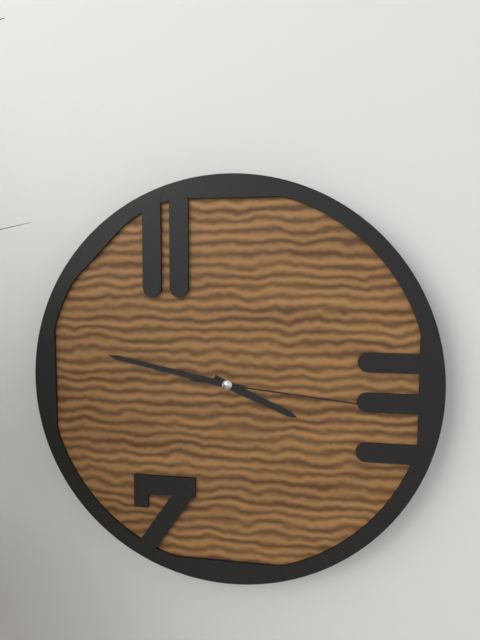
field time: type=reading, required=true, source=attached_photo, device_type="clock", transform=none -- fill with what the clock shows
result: 3:47:16
